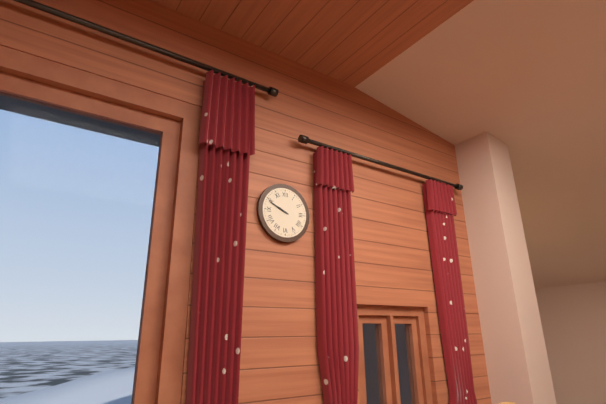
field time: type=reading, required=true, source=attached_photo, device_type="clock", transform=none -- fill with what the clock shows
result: 9:49
